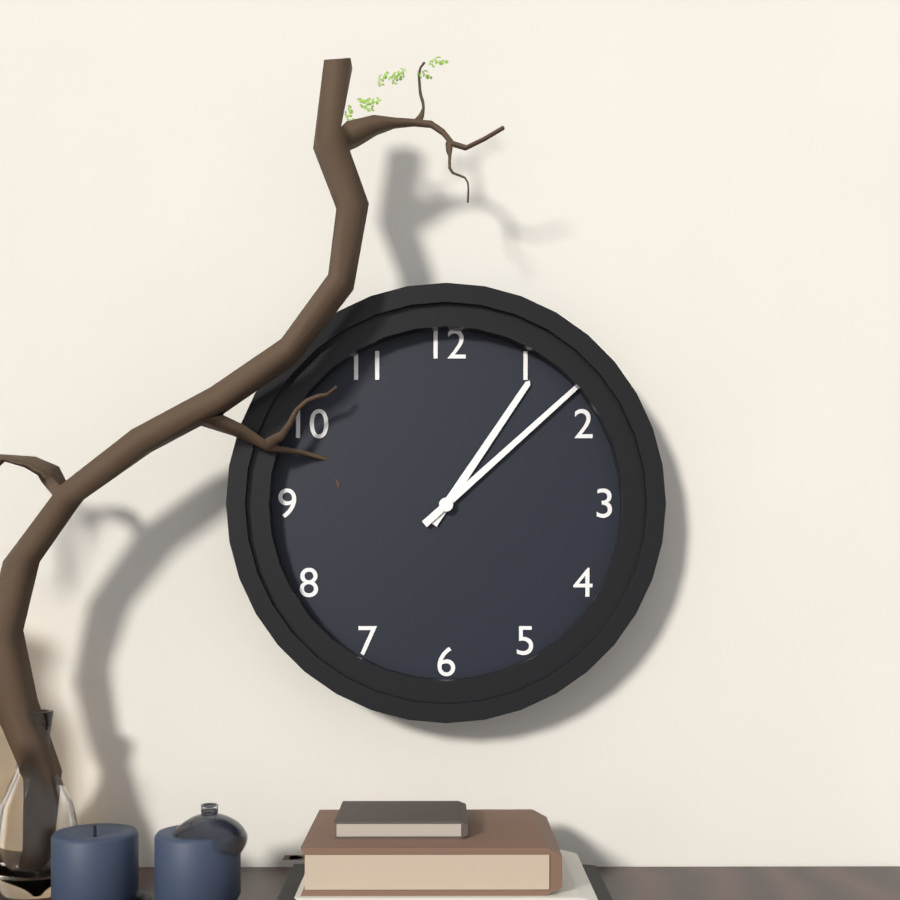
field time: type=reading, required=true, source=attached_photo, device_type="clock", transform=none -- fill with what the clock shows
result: 1:08
